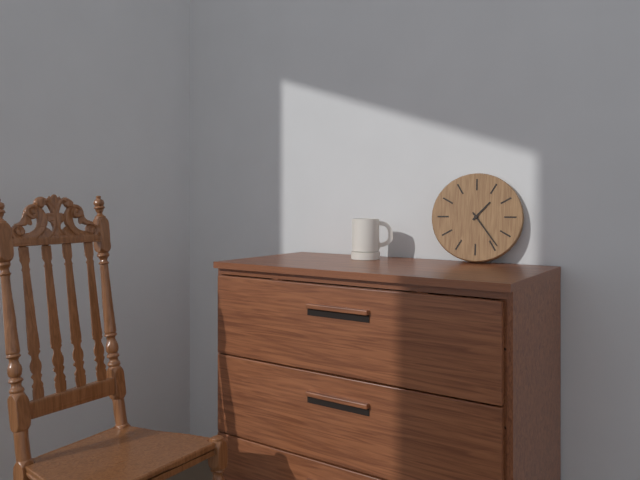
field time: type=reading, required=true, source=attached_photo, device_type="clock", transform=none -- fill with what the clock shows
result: 1:24
